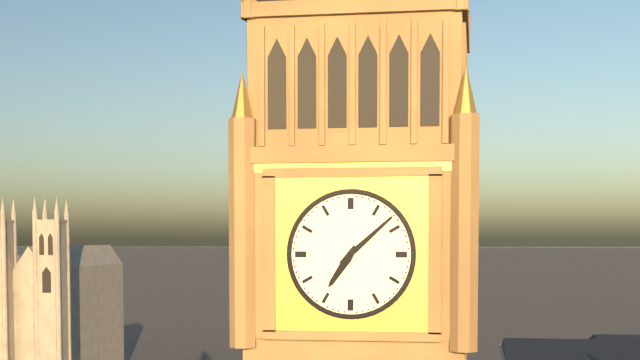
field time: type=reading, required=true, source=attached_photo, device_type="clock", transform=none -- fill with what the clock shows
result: 7:08
